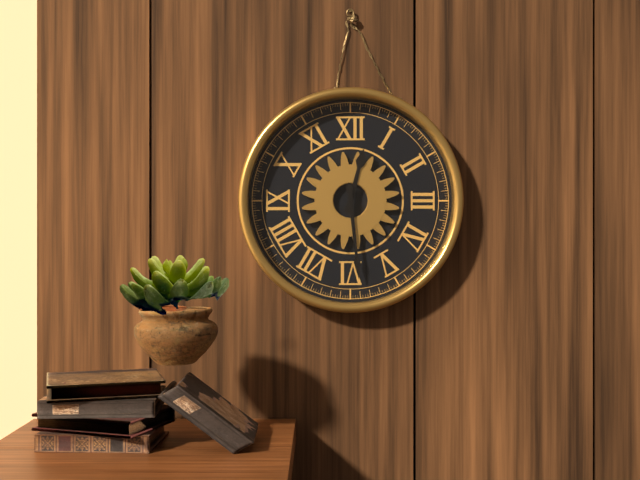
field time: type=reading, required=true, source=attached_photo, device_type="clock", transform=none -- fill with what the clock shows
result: 12:29
